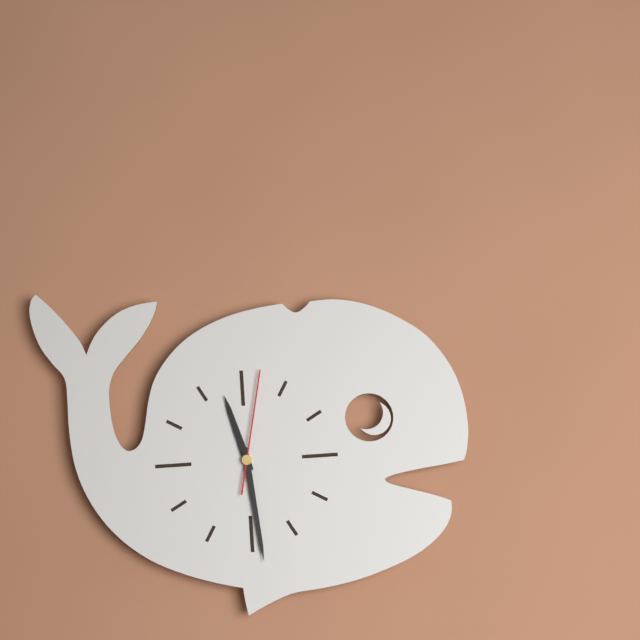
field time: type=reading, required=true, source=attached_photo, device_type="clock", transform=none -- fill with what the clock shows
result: 11:29:02
